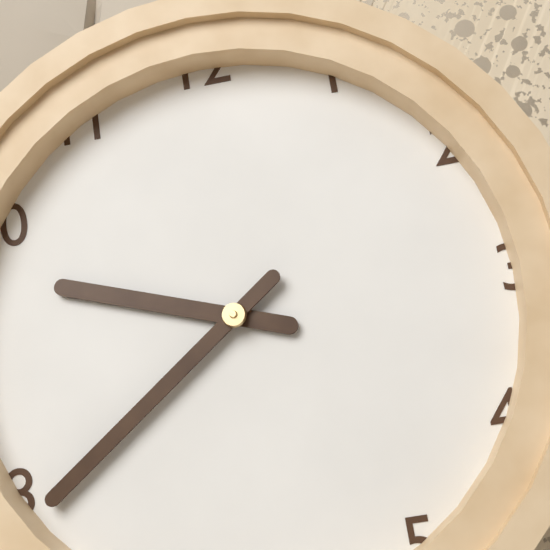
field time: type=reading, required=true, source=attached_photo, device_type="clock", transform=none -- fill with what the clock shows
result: 9:39
